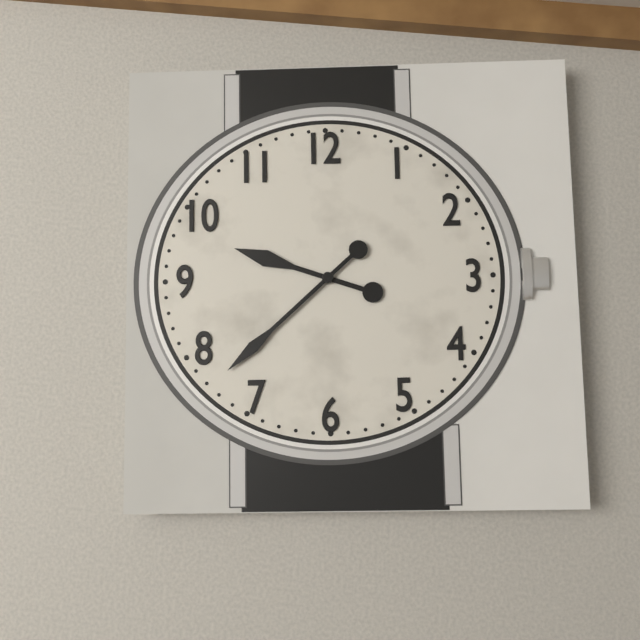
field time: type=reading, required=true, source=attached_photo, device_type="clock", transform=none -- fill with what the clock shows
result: 9:38
